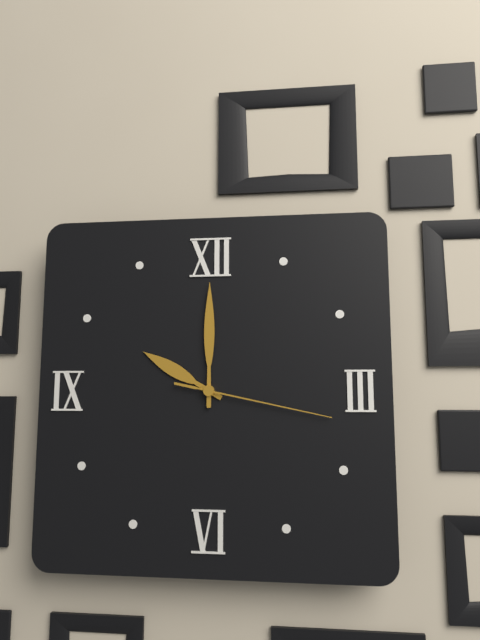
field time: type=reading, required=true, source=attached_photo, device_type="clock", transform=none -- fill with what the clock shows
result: 10:00:17
